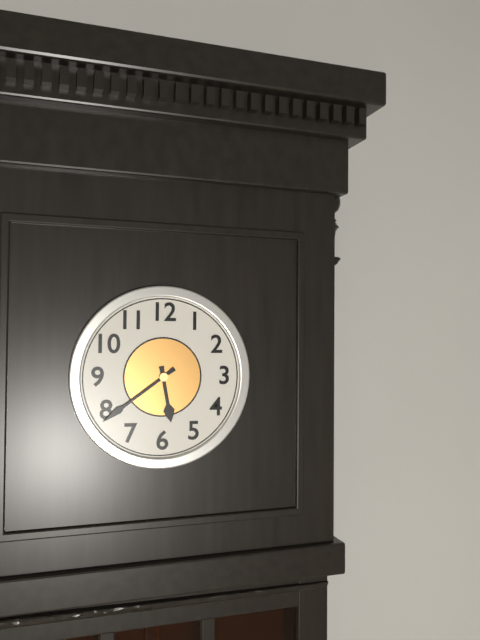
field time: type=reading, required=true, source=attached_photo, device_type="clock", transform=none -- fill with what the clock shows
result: 5:39
